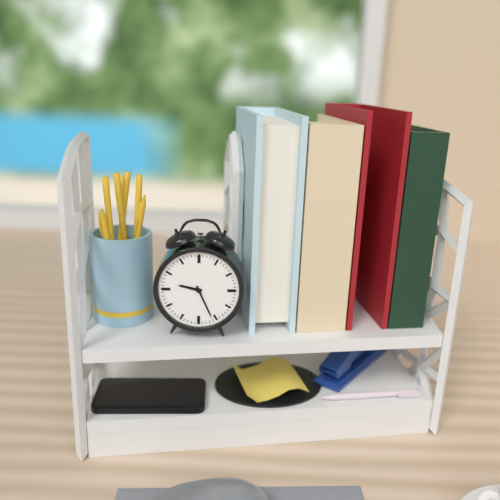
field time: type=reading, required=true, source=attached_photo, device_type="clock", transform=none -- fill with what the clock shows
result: 9:26
